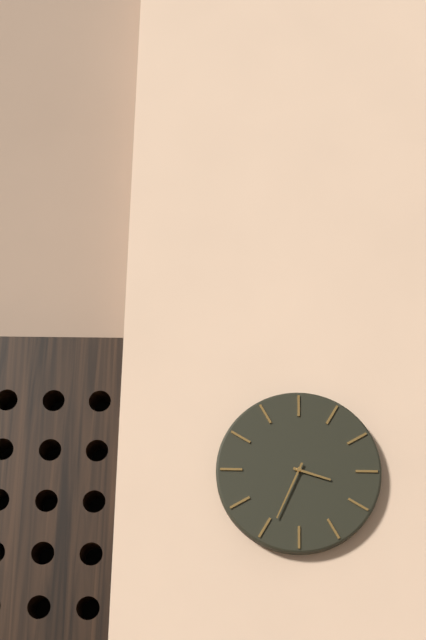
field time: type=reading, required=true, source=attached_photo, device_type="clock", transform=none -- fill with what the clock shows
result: 3:34
